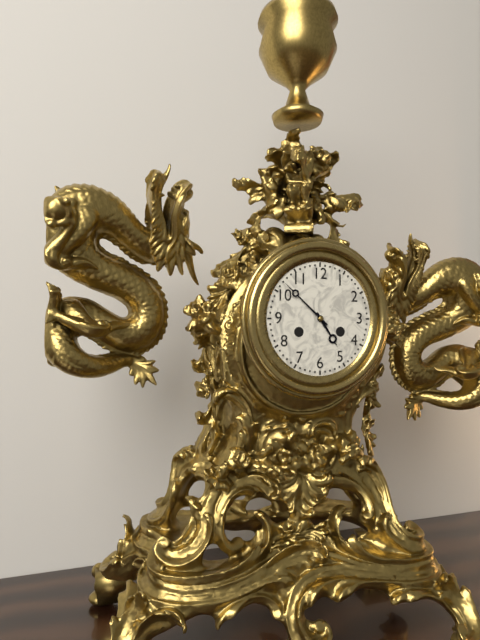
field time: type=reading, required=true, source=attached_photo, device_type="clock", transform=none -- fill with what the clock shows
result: 4:52
